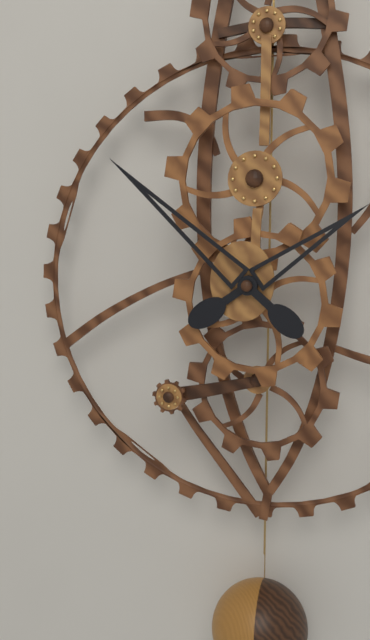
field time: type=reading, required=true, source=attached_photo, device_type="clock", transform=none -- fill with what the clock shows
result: 1:52
